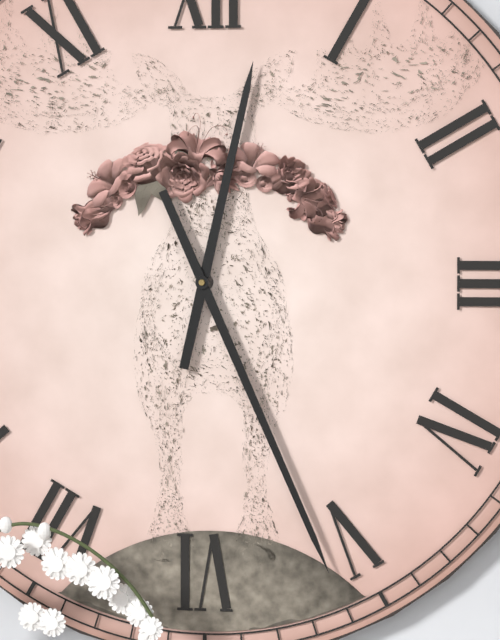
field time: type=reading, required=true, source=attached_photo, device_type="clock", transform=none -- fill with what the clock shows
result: 12:26
